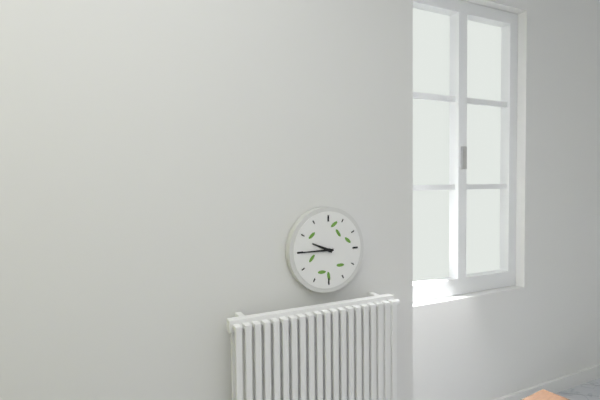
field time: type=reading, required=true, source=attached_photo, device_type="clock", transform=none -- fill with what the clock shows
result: 9:45
